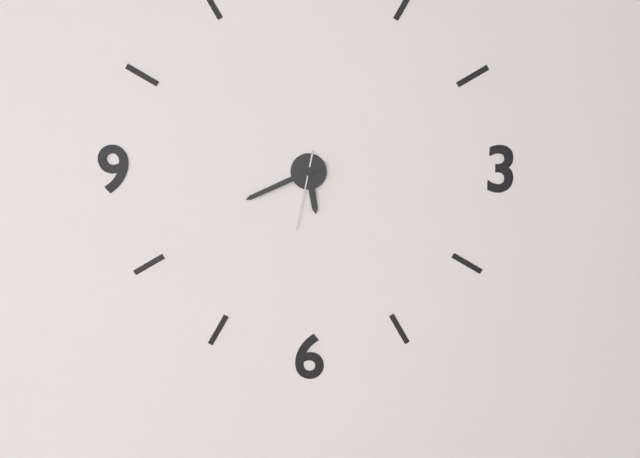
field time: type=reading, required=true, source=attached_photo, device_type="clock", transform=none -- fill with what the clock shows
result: 5:41:32
